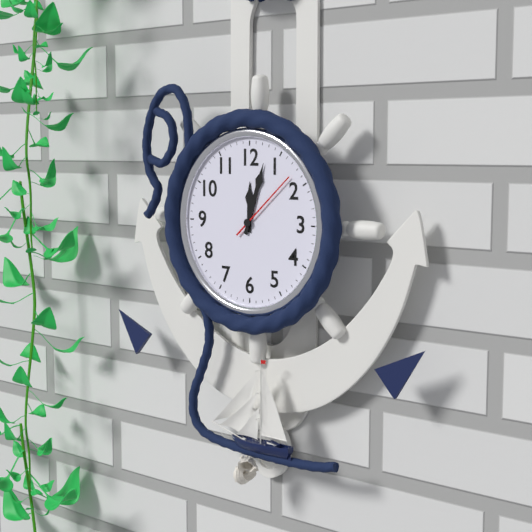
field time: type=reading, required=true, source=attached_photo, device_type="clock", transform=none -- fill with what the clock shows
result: 12:03:08
